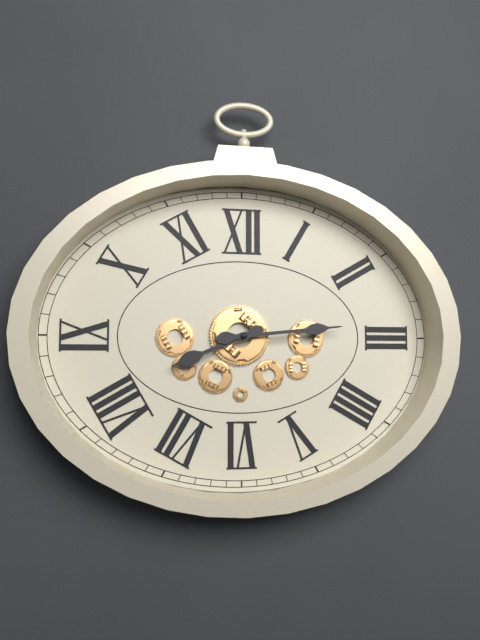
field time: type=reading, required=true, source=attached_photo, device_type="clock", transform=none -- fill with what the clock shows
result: 8:14
